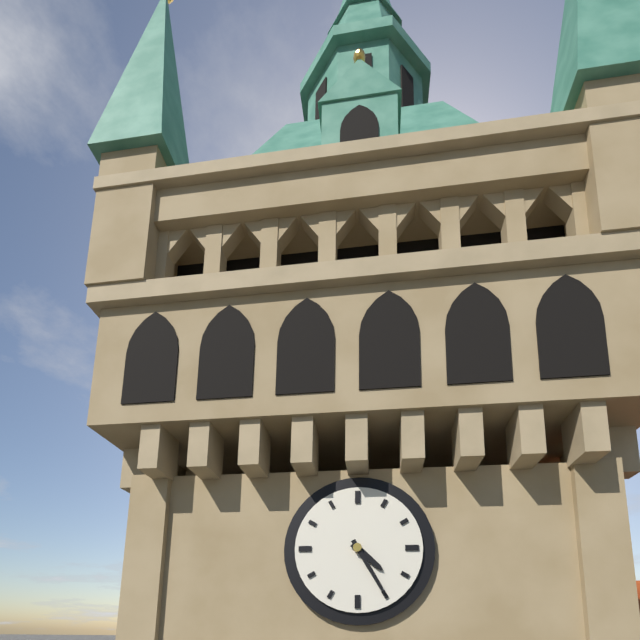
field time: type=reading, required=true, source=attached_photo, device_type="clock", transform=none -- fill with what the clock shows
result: 4:25
